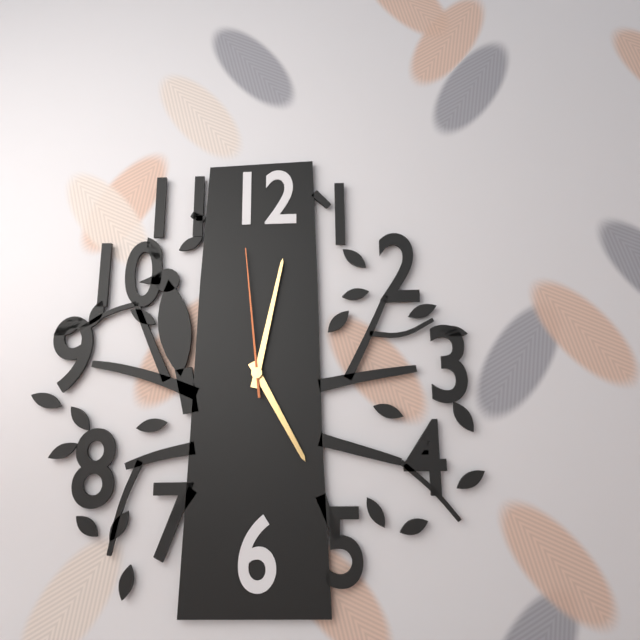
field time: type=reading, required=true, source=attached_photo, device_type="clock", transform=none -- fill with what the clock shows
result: 5:02:59
